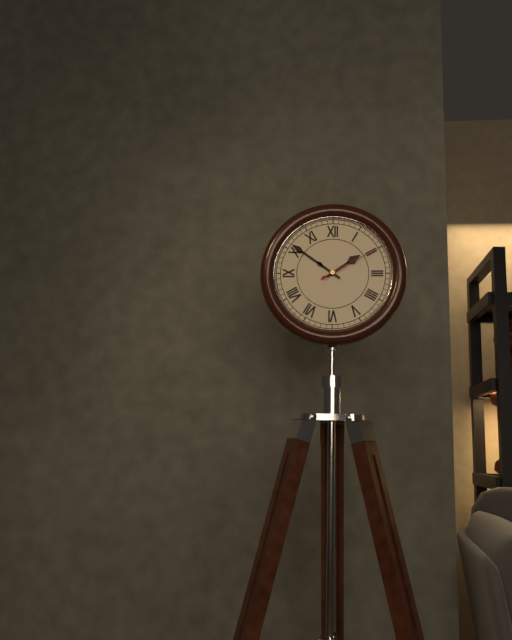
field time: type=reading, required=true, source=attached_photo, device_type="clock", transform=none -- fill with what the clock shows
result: 1:51:10
